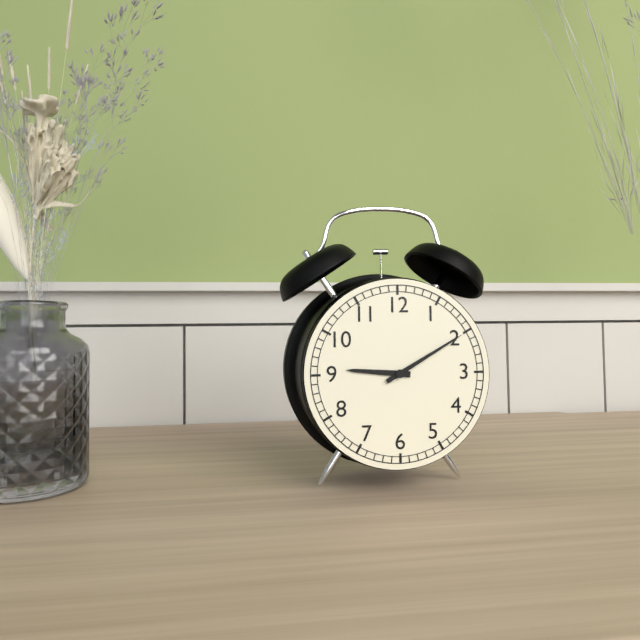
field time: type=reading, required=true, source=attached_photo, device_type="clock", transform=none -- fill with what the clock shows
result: 9:10
